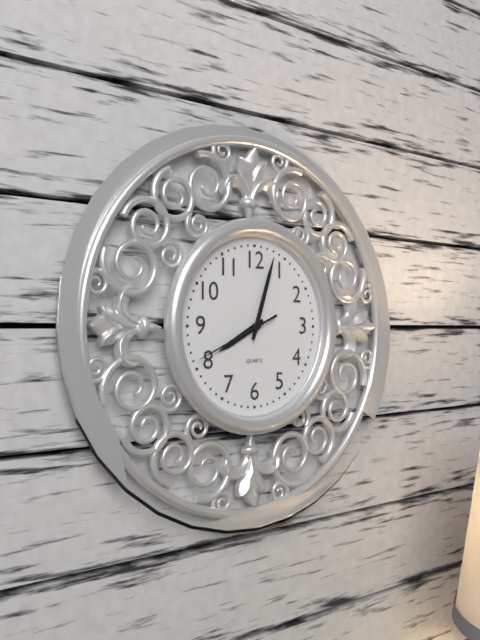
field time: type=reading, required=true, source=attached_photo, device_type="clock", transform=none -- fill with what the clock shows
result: 8:03:41
